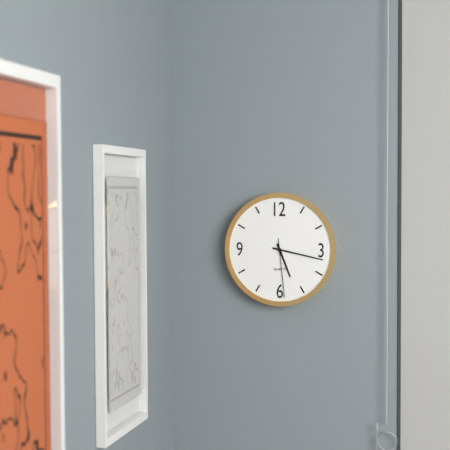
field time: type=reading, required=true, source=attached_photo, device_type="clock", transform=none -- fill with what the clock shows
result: 5:17:29
